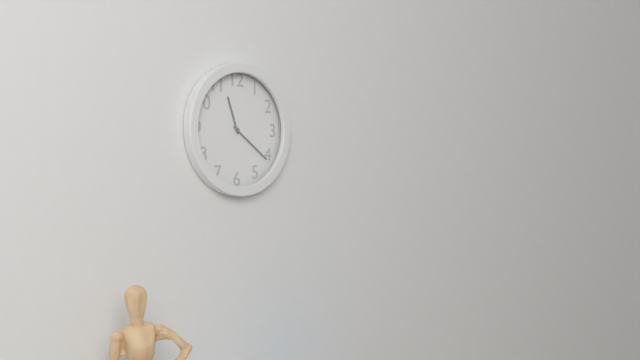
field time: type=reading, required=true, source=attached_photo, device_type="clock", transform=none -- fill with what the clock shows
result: 11:21
